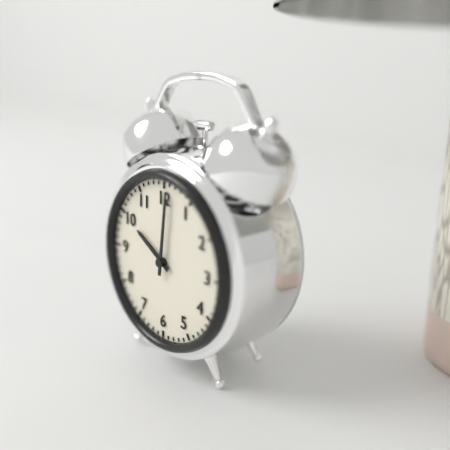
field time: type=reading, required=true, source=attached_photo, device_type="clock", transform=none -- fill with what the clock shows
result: 10:01
